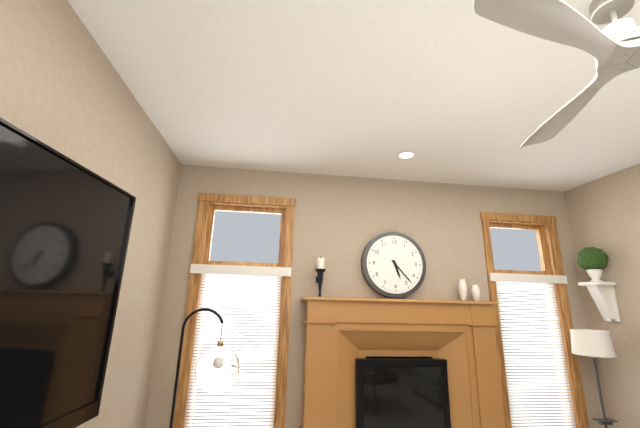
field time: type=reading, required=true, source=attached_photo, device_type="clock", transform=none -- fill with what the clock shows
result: 5:23
